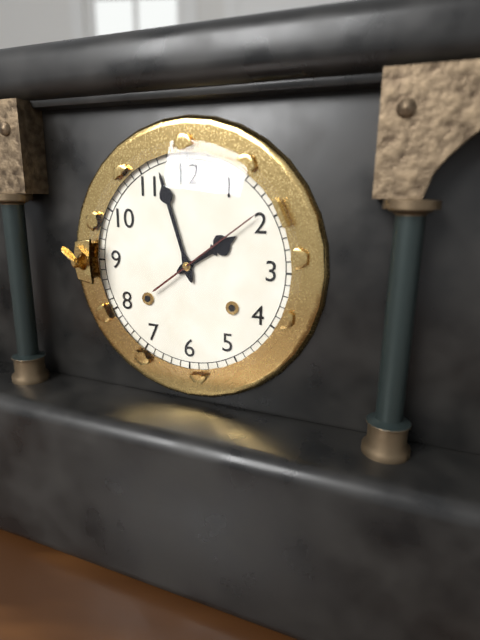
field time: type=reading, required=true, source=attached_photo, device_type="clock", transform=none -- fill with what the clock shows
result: 1:57:09
